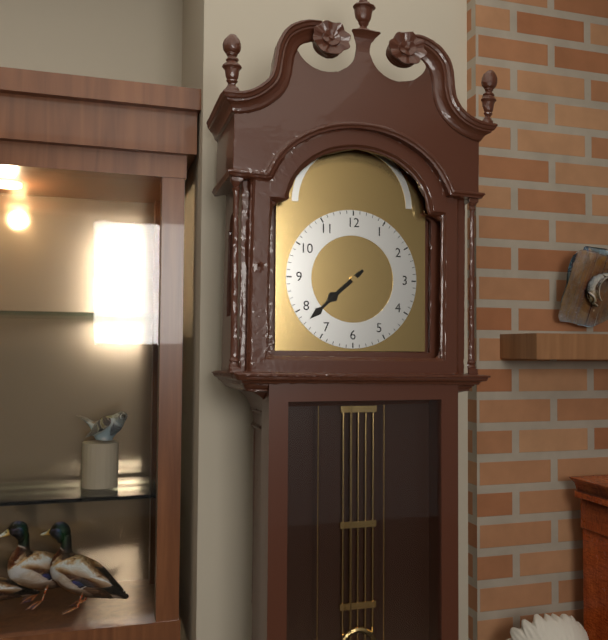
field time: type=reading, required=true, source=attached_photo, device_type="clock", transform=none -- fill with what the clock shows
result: 7:38
